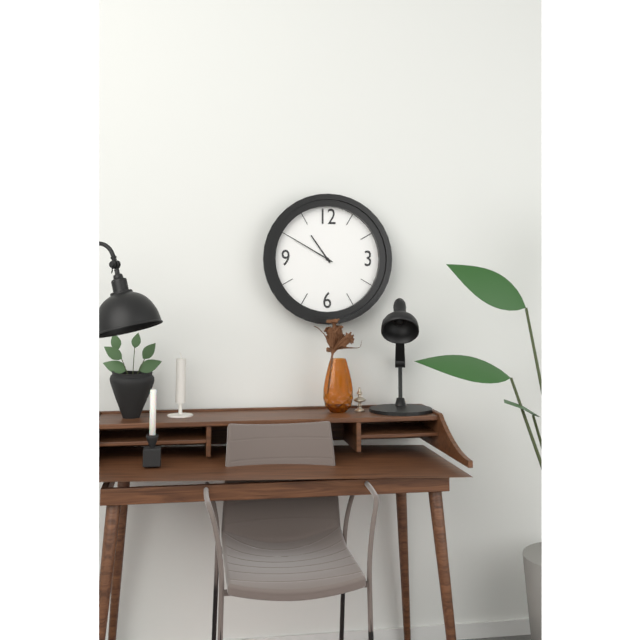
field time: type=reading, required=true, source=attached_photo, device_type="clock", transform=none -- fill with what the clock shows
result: 10:50
